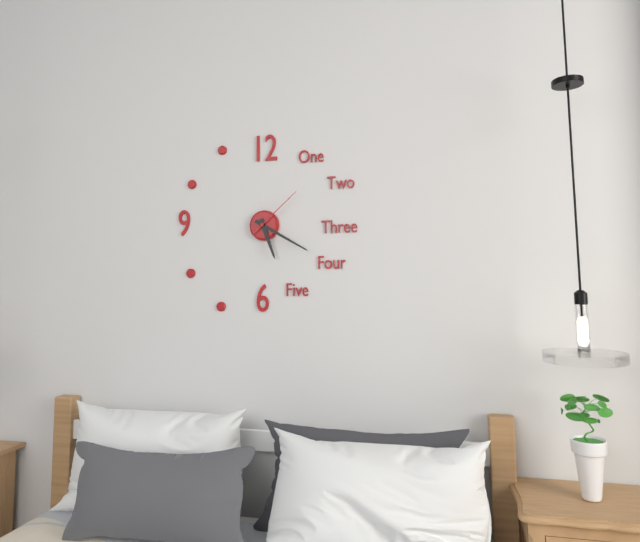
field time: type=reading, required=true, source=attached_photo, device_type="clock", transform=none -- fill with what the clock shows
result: 5:20:08
